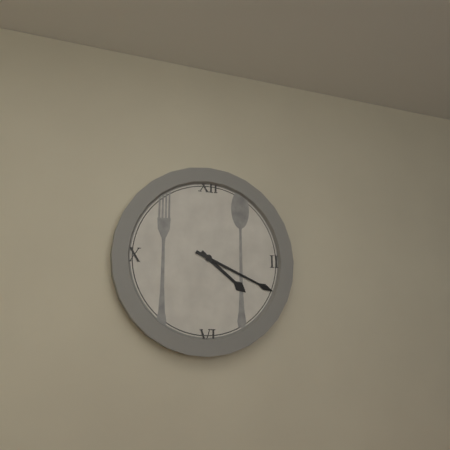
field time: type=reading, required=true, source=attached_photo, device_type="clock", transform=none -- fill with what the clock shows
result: 4:19
